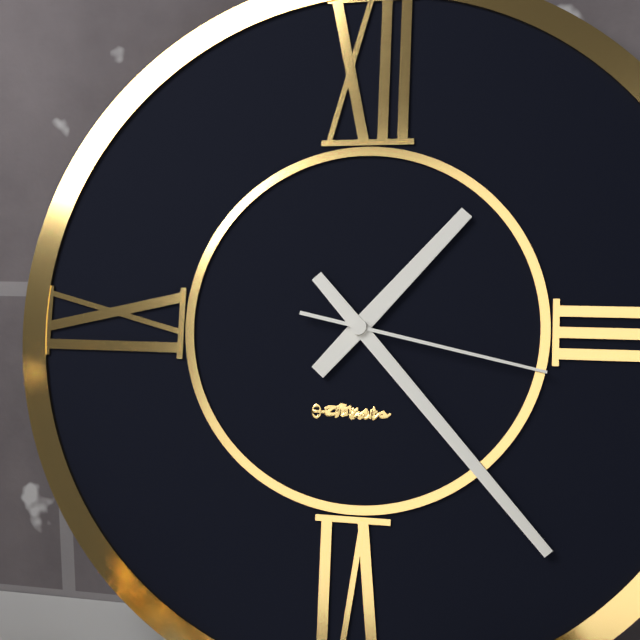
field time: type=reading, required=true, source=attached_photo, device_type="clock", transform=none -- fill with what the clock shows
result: 1:23:17
